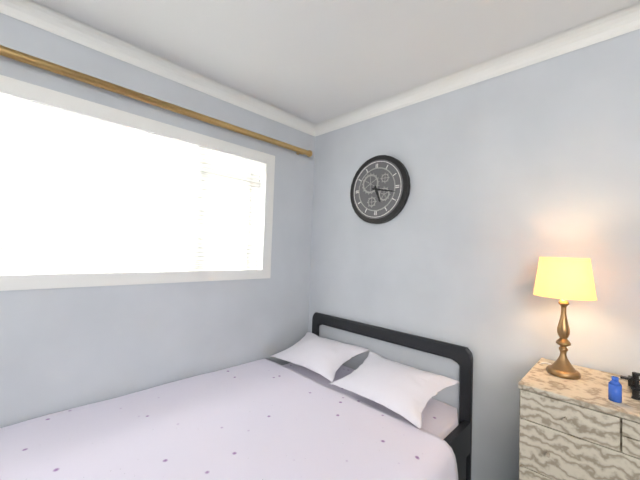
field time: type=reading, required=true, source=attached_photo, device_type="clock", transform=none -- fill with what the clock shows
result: 5:17
